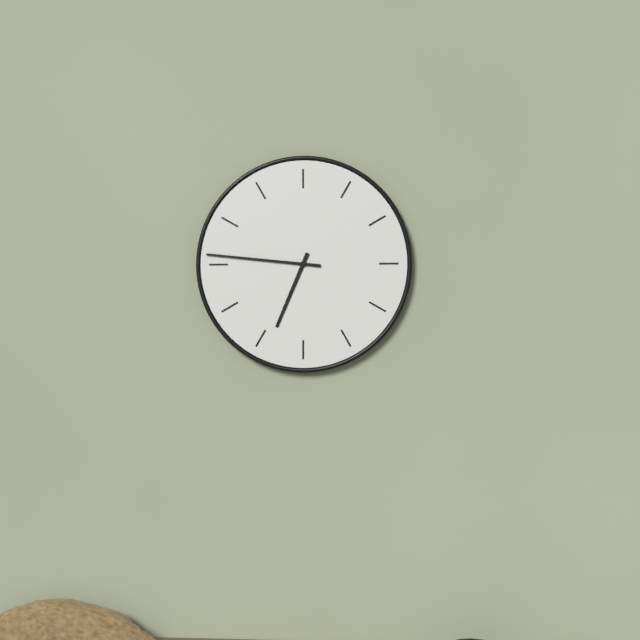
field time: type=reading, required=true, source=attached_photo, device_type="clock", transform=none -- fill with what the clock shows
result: 6:46
